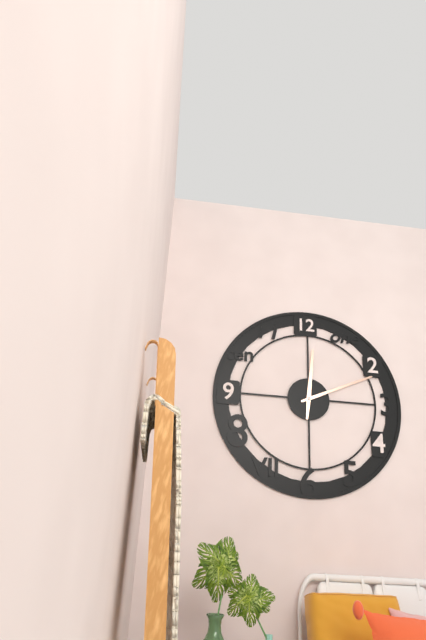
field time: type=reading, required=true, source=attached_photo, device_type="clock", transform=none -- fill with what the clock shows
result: 12:11
